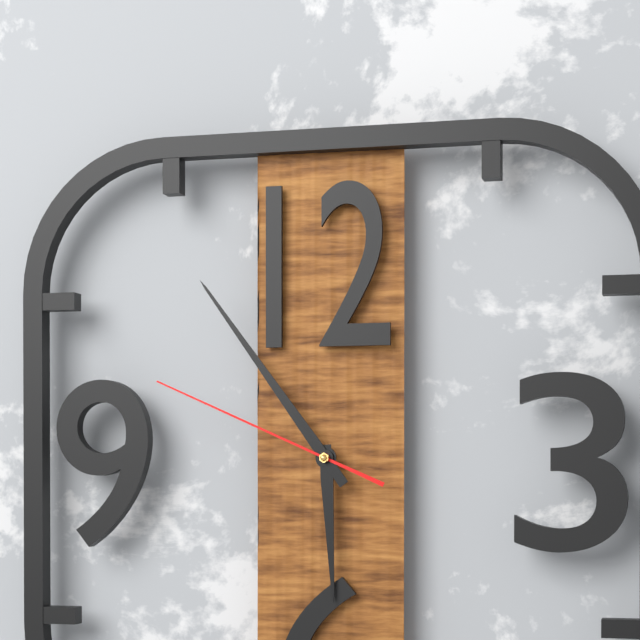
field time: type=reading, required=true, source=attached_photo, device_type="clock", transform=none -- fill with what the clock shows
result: 5:54:49
